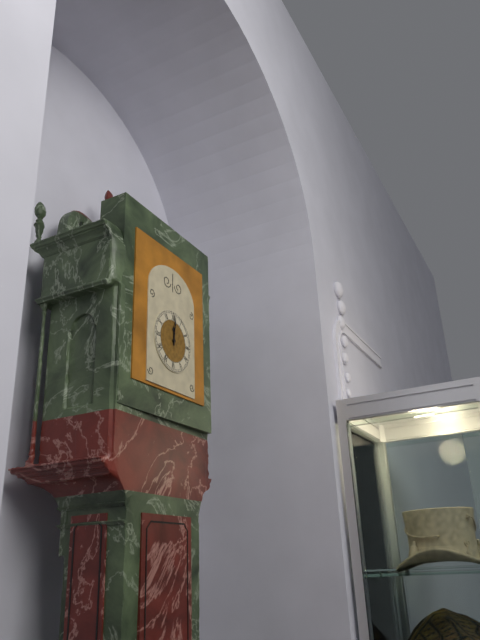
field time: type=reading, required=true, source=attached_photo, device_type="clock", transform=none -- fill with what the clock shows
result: 12:01
